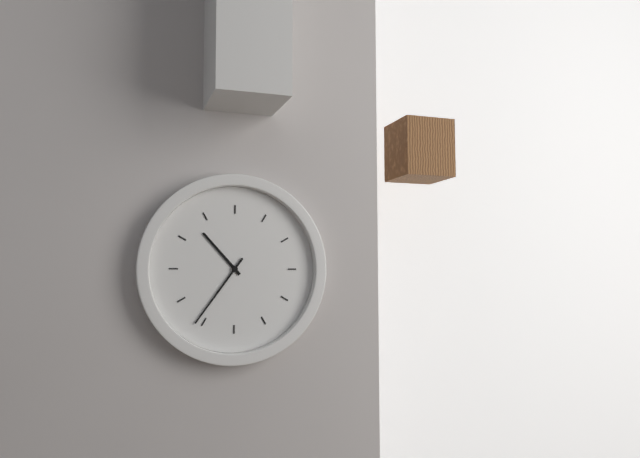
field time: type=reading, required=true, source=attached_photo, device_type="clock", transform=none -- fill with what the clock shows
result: 10:36
